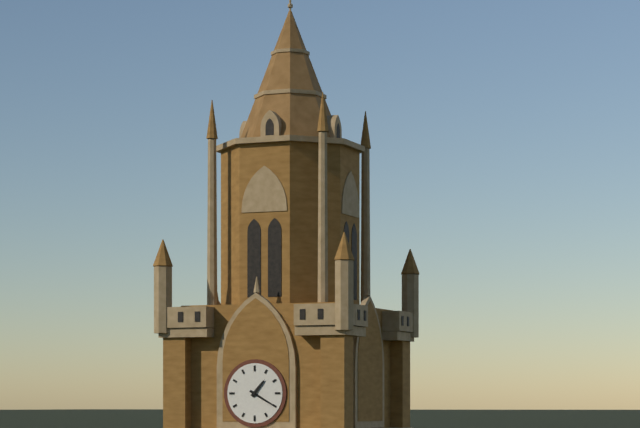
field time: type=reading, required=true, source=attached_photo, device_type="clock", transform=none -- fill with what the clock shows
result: 1:20
